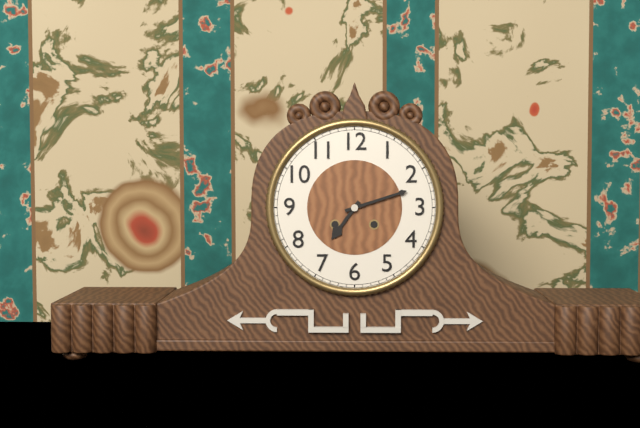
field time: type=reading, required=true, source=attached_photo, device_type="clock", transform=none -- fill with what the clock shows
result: 7:12
